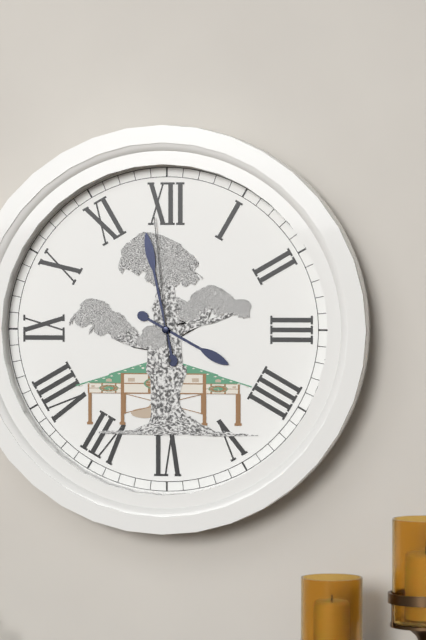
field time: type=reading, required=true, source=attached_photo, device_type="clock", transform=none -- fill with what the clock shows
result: 3:58:59
